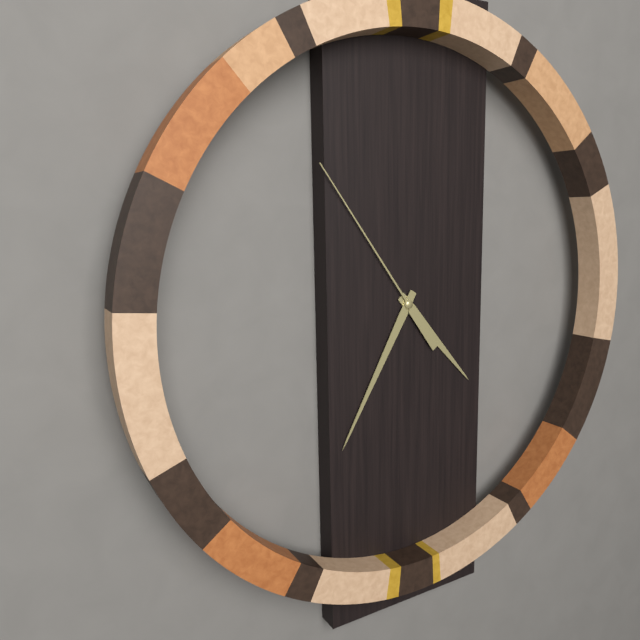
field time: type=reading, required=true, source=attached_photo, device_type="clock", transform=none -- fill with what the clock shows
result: 4:35:54
